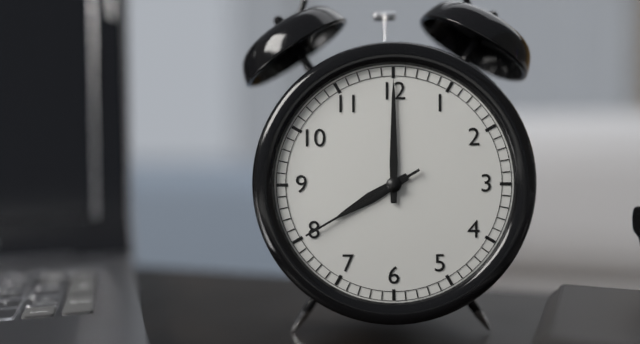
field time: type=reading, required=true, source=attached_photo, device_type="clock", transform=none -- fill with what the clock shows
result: 8:00:40
